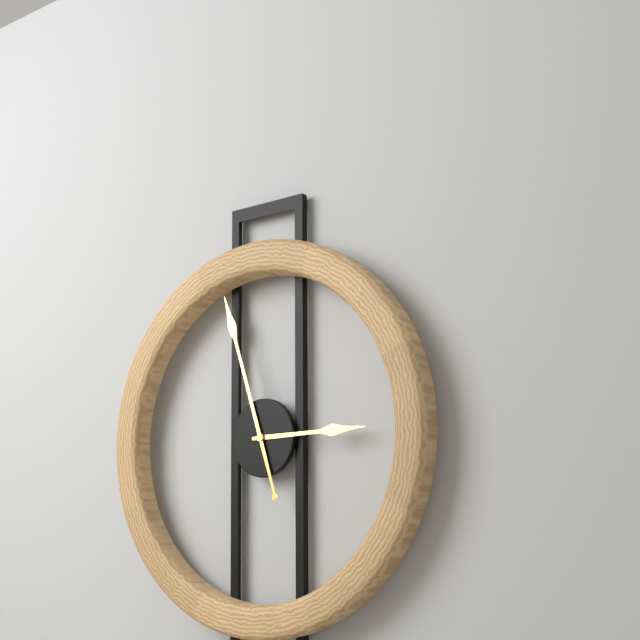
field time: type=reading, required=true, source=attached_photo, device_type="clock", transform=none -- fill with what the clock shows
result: 2:57
